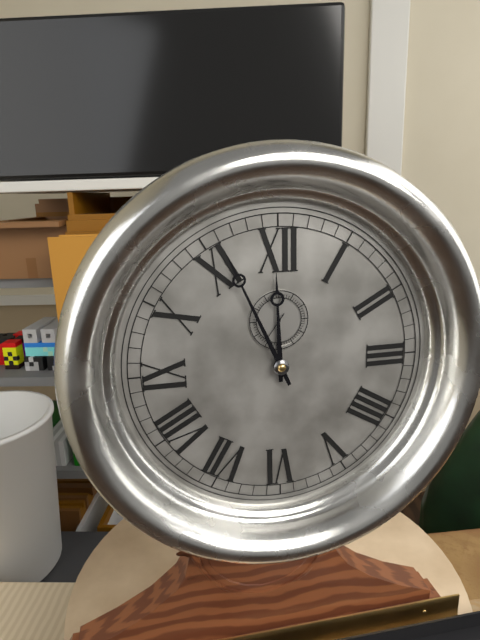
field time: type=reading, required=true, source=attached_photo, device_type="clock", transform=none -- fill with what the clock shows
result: 11:56
